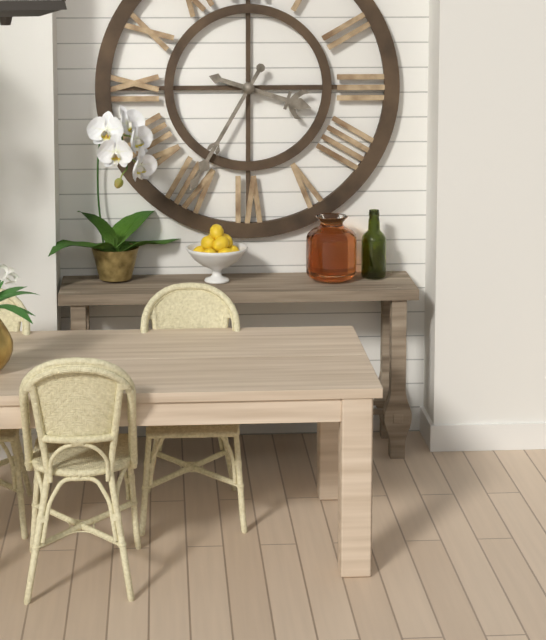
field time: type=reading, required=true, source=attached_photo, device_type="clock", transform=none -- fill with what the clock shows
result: 3:35
